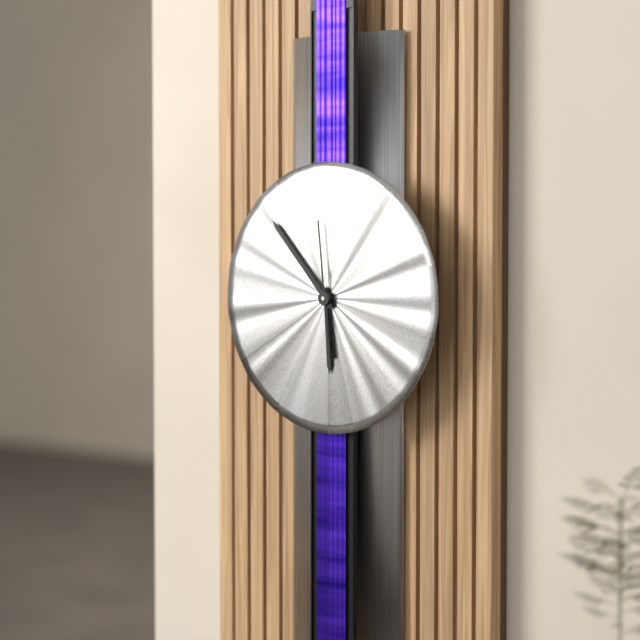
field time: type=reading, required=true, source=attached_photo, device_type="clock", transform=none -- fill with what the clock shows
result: 5:53:59
